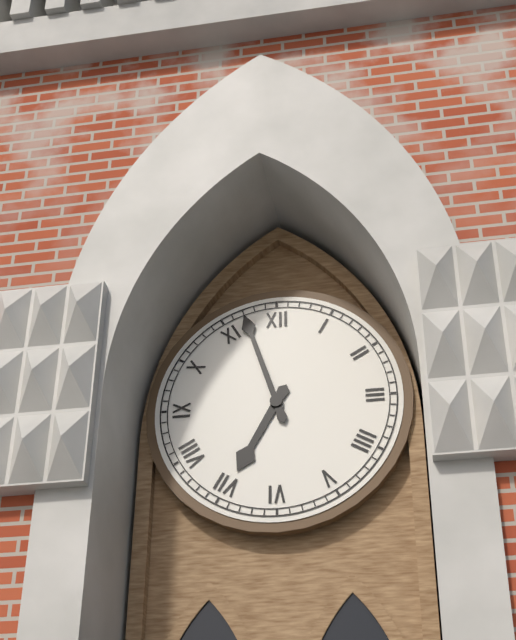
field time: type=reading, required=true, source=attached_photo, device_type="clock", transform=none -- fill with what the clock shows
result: 6:57
